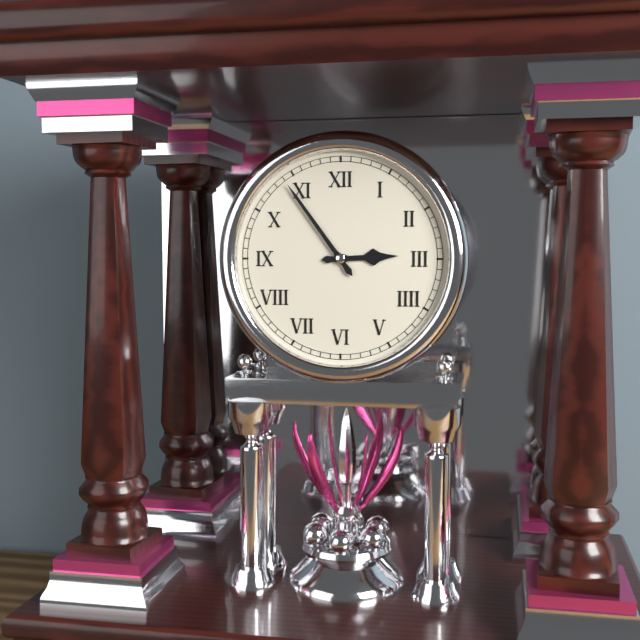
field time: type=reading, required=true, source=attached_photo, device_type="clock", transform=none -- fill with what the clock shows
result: 2:54
